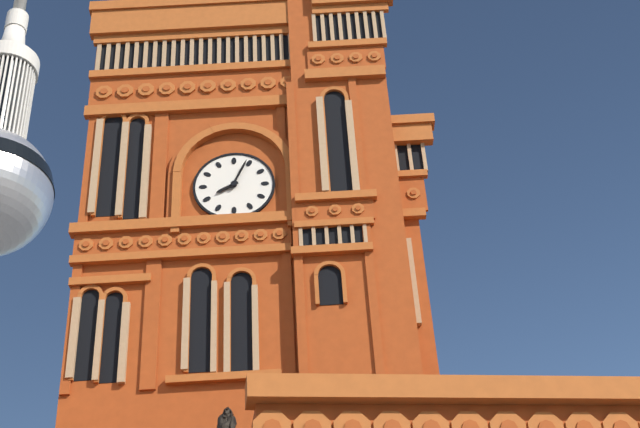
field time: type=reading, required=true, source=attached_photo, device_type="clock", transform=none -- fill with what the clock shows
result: 8:04
